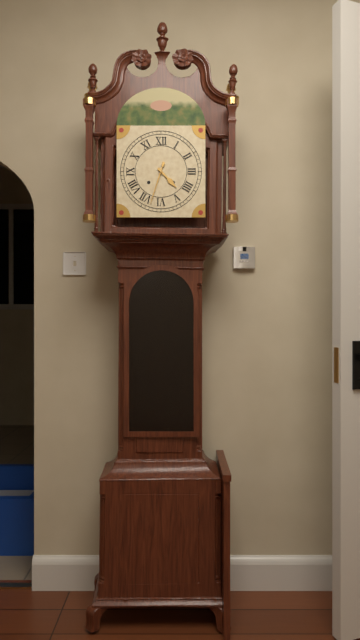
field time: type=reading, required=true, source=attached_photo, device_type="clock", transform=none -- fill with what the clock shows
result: 4:33
